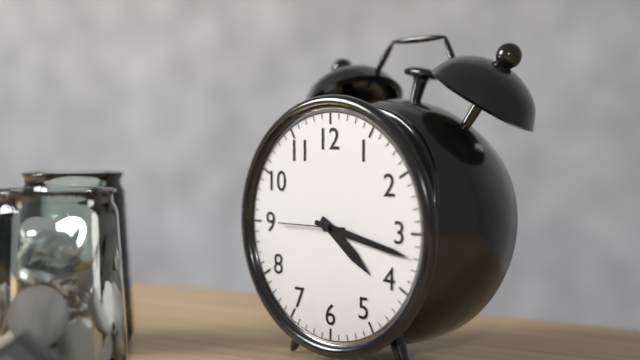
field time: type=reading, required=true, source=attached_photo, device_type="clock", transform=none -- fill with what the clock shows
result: 4:17:45
